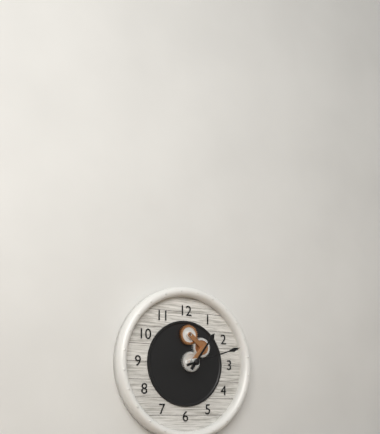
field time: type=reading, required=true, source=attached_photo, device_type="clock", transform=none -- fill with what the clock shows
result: 1:12
